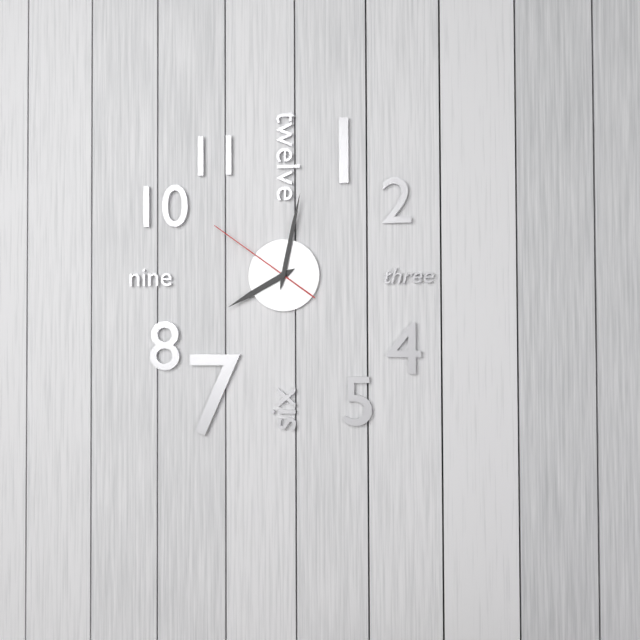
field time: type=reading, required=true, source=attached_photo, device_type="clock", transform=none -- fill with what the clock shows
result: 8:02:51
